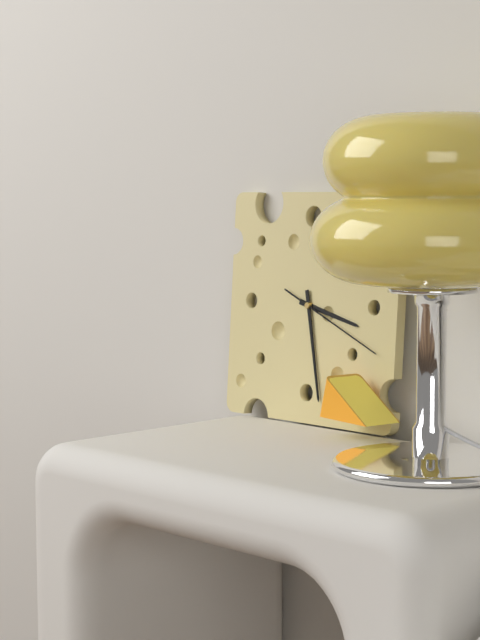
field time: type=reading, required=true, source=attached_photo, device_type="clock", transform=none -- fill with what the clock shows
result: 3:28:19
